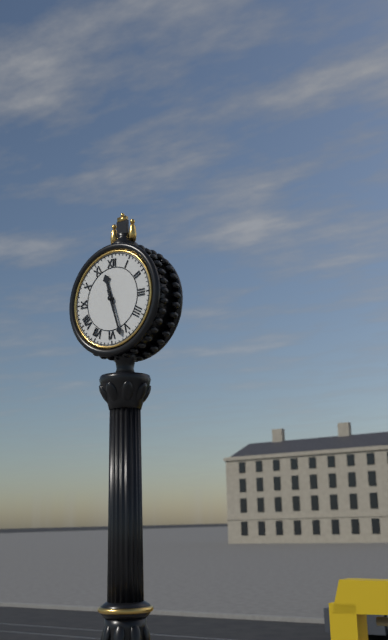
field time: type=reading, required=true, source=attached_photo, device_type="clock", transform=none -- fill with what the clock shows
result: 11:27
